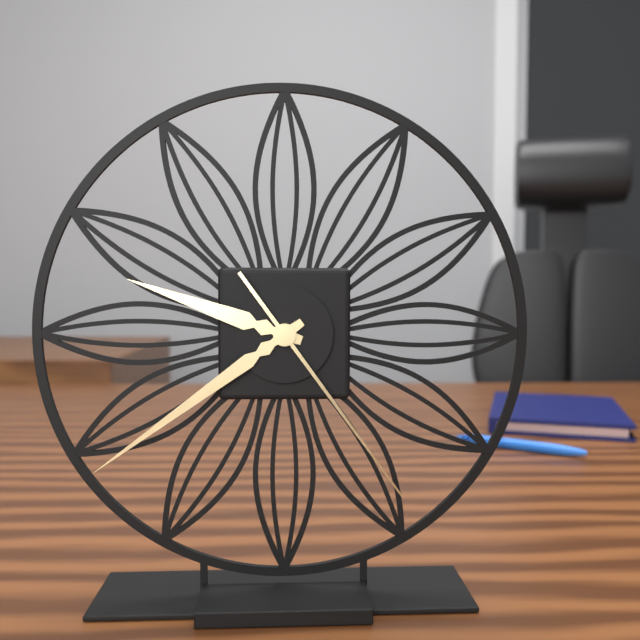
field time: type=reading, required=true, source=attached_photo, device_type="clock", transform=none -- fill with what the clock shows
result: 9:39:24
